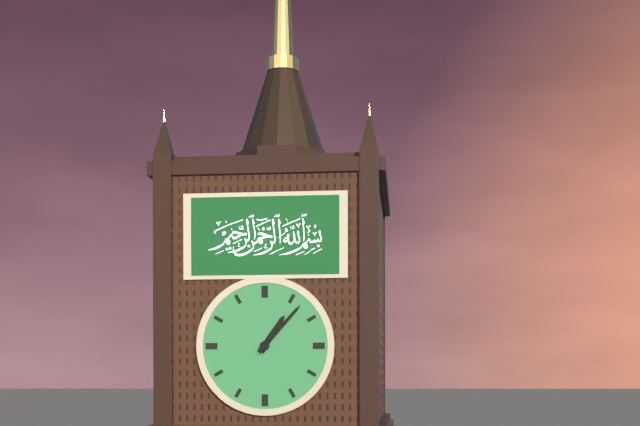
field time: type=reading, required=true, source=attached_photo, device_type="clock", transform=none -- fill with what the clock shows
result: 1:07
